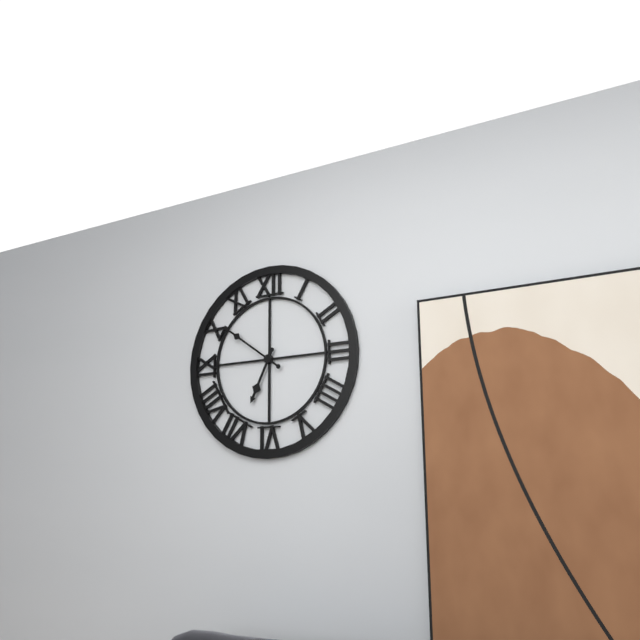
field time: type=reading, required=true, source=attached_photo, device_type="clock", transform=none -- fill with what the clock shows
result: 6:51
